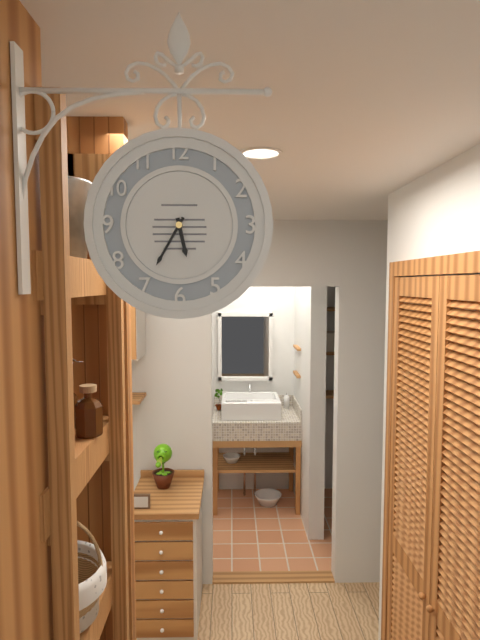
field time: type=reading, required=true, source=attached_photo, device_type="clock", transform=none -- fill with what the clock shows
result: 5:35
